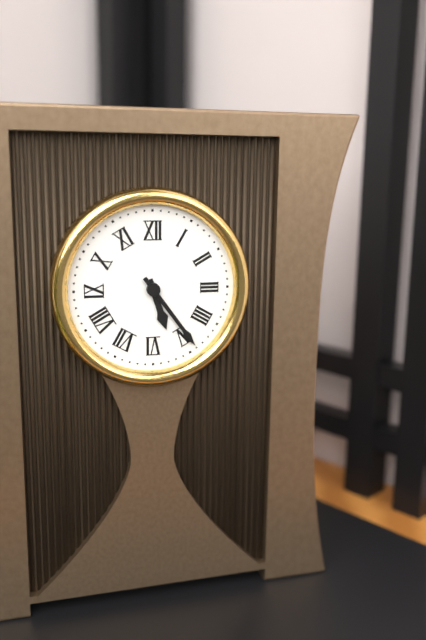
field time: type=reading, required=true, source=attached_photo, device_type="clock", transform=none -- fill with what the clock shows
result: 5:24
